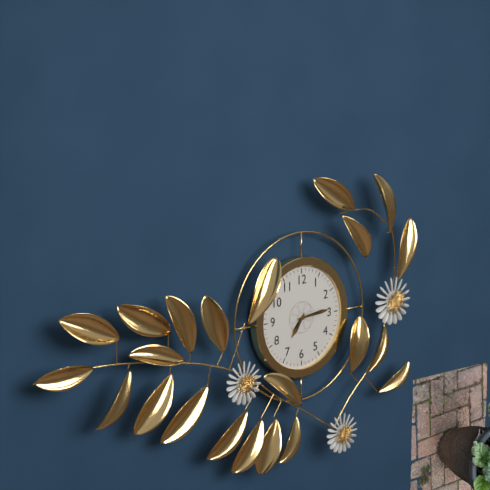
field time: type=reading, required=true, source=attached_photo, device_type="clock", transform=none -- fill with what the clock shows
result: 7:14
